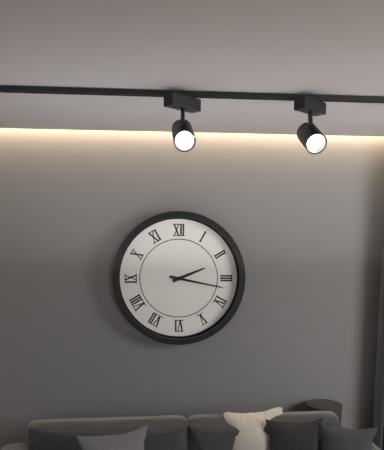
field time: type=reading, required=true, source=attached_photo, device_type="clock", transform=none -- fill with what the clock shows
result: 2:17
